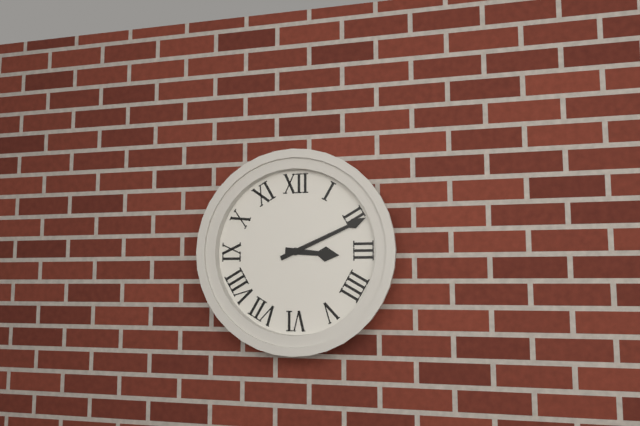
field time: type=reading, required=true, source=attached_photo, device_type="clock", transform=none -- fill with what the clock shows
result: 3:11
